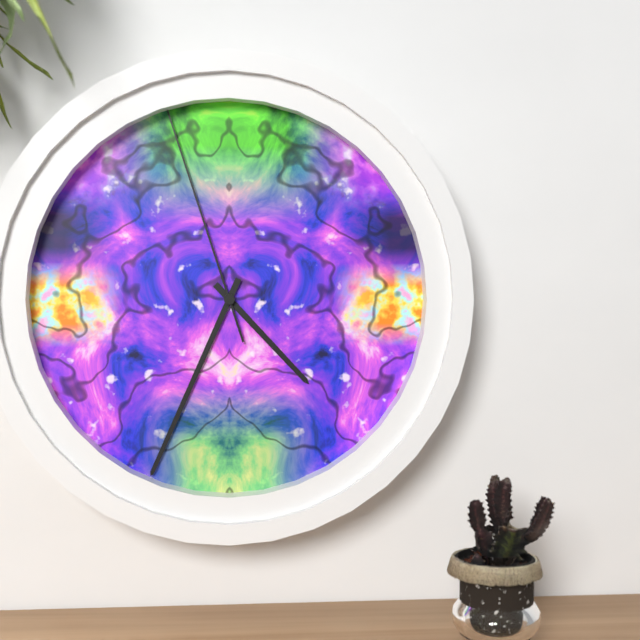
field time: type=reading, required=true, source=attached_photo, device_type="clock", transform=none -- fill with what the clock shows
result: 4:34:57
